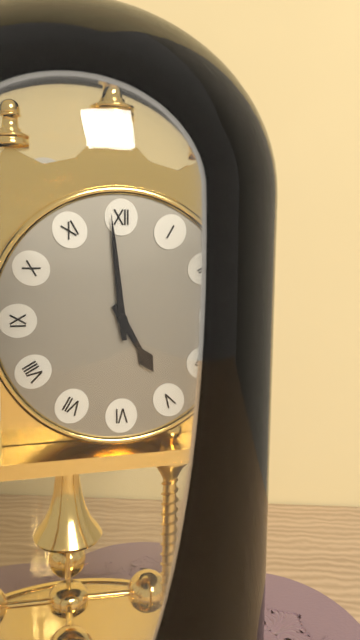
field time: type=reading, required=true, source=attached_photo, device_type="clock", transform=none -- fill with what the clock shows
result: 4:59
